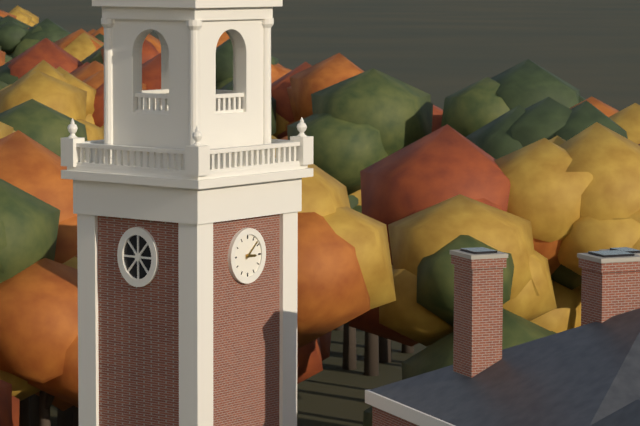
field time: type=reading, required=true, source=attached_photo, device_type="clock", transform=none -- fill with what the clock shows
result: 3:08
